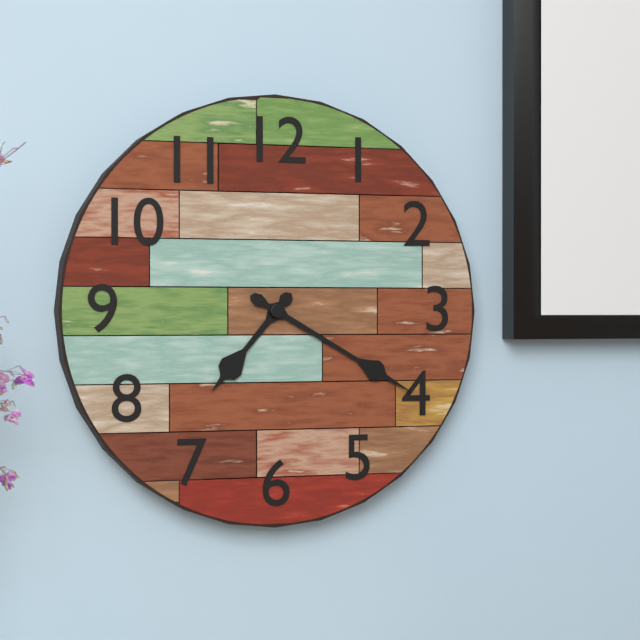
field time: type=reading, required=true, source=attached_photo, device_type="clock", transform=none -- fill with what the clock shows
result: 7:20
